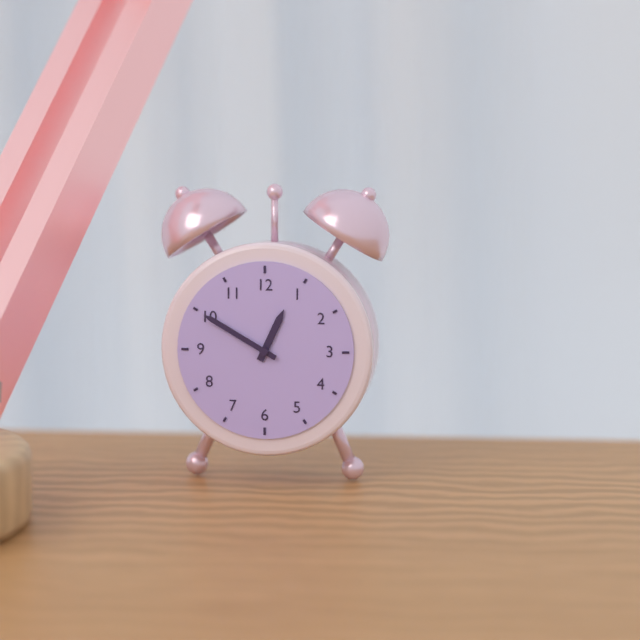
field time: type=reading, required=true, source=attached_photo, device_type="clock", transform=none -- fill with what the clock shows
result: 12:50
